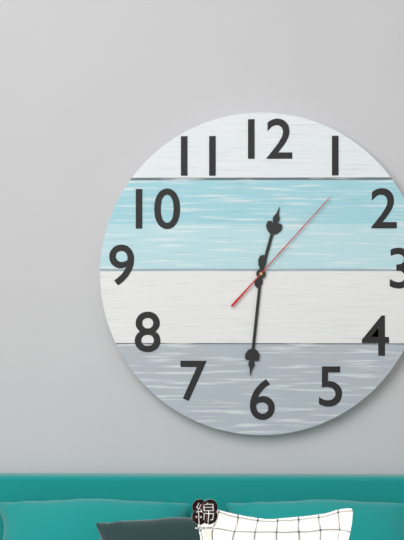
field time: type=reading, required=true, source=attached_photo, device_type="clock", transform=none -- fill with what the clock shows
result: 12:31:07
